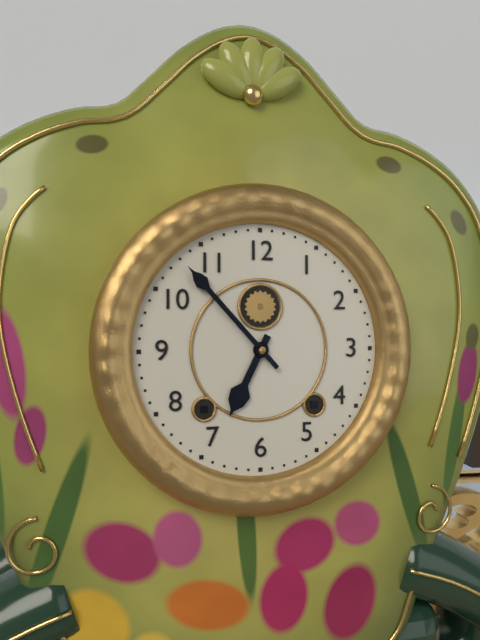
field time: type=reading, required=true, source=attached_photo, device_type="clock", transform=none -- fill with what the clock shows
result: 6:53
